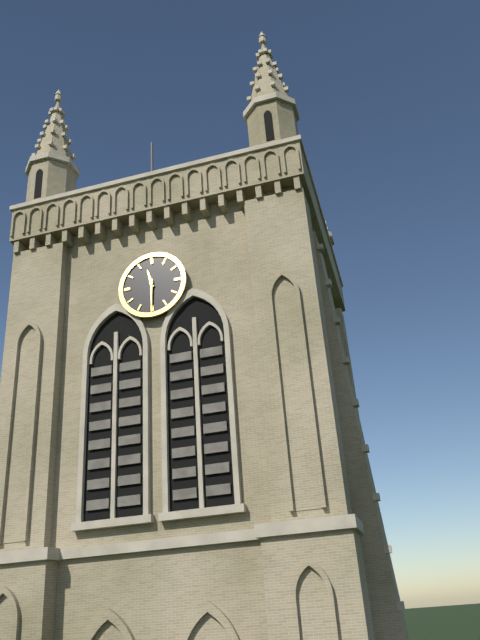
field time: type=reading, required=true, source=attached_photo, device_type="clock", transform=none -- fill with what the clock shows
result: 11:30
